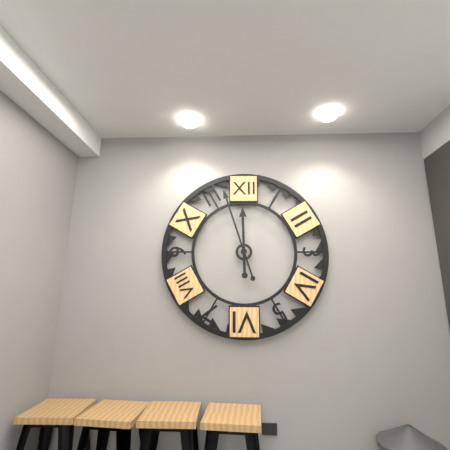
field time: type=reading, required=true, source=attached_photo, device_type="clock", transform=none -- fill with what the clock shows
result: 11:57
